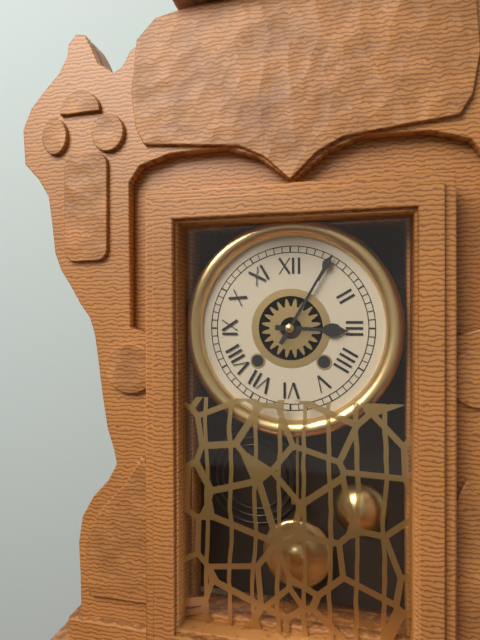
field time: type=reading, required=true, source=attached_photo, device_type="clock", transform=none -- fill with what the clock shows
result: 3:05
